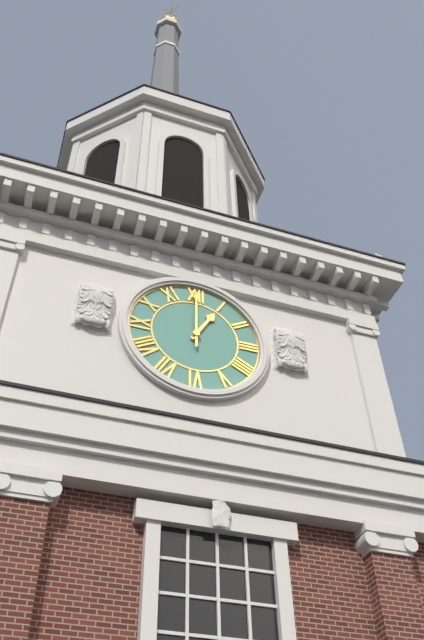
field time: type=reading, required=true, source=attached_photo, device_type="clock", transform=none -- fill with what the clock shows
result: 1:00
